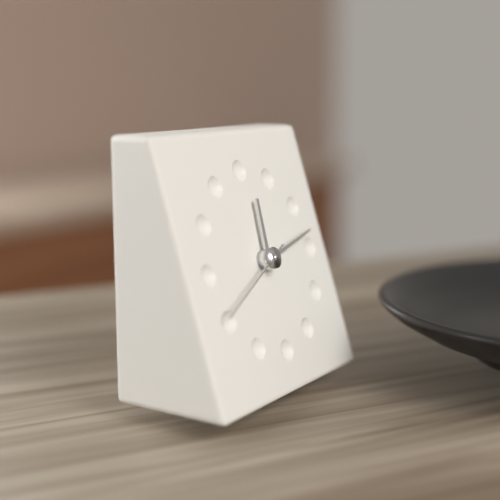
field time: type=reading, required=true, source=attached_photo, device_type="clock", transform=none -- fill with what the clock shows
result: 12:13:41
